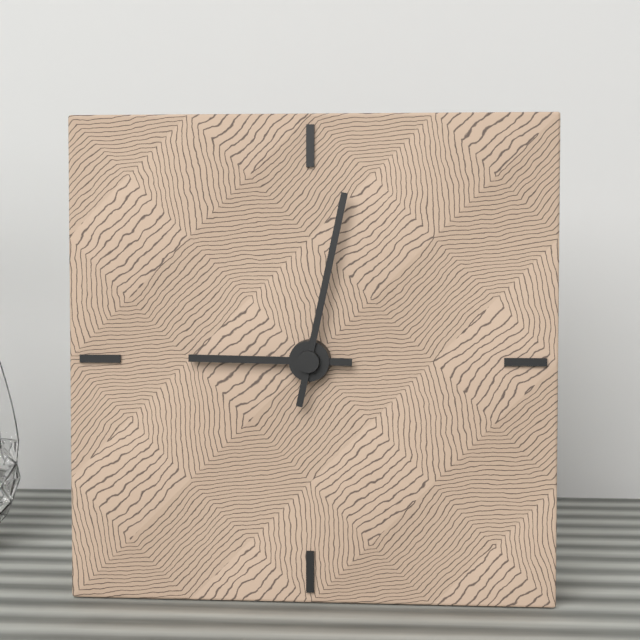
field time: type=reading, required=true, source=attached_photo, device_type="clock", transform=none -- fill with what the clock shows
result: 9:02
